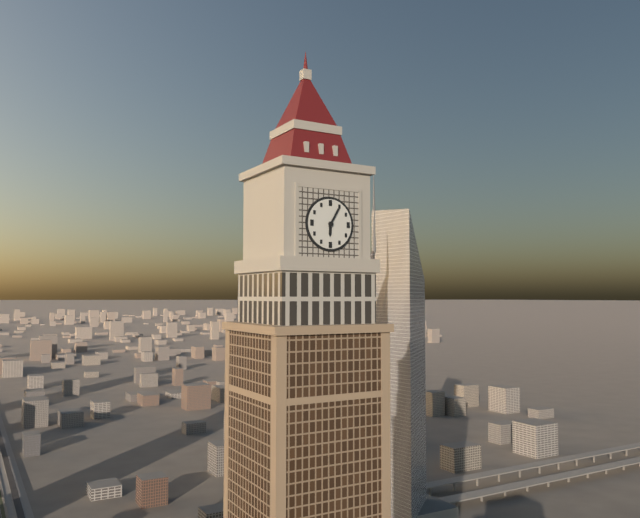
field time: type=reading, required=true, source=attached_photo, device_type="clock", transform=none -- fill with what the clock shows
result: 6:05
